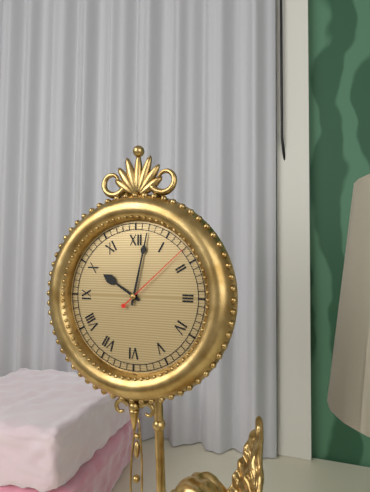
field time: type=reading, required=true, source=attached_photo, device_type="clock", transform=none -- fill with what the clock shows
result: 10:02:08
